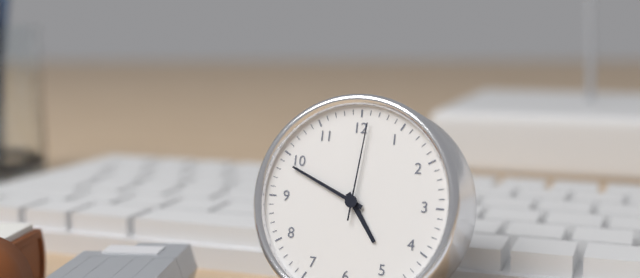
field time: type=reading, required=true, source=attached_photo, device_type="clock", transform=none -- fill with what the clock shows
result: 4:49:01
